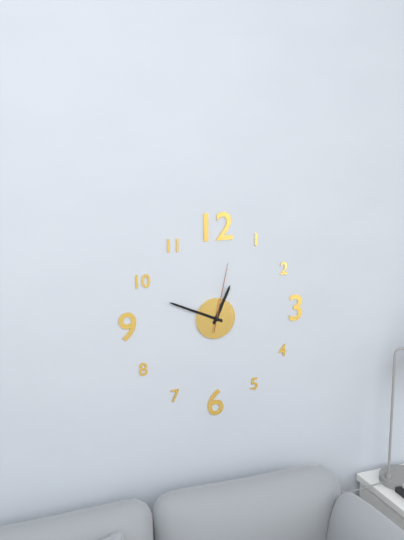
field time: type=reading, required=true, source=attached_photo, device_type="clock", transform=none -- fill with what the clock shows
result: 12:49:02
